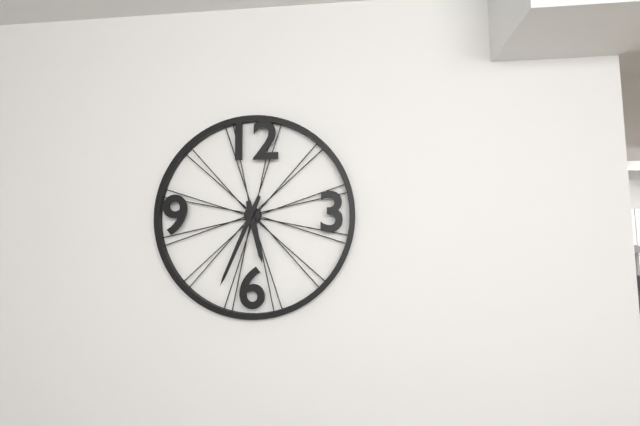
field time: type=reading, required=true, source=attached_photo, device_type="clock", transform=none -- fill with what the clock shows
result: 5:34
